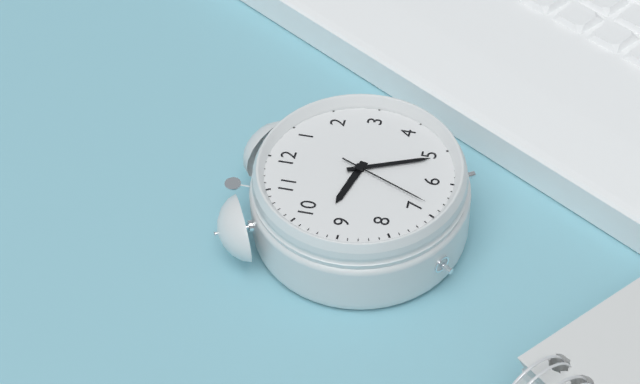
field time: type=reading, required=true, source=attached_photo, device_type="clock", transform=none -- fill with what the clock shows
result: 9:26:34
